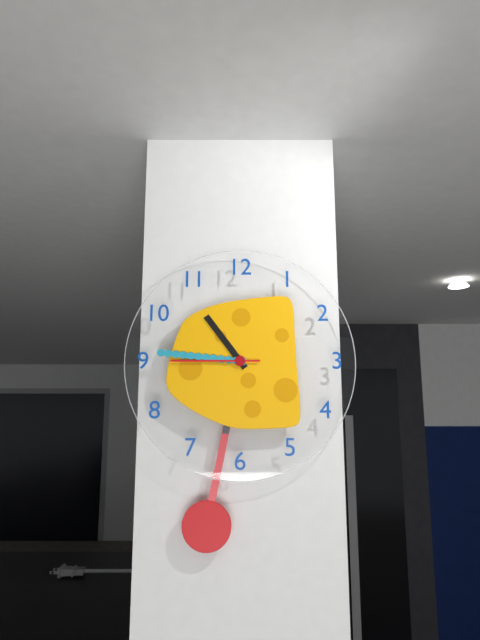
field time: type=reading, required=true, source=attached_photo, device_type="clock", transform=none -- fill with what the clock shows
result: 10:46:45
